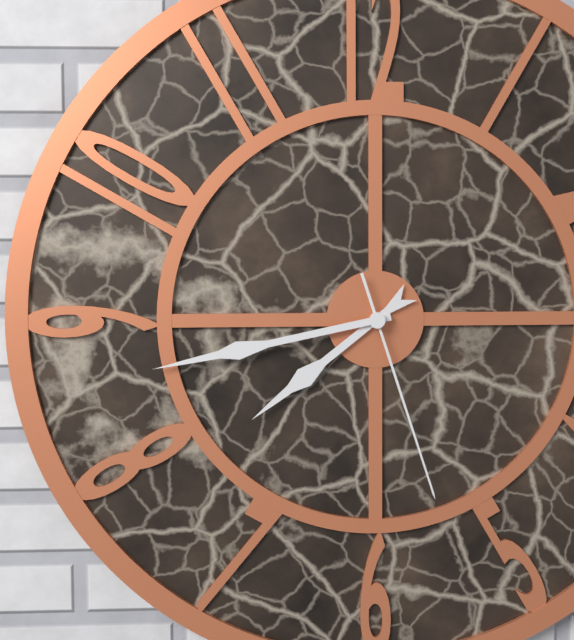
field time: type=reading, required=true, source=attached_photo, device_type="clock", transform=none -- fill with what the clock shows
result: 7:43:27
